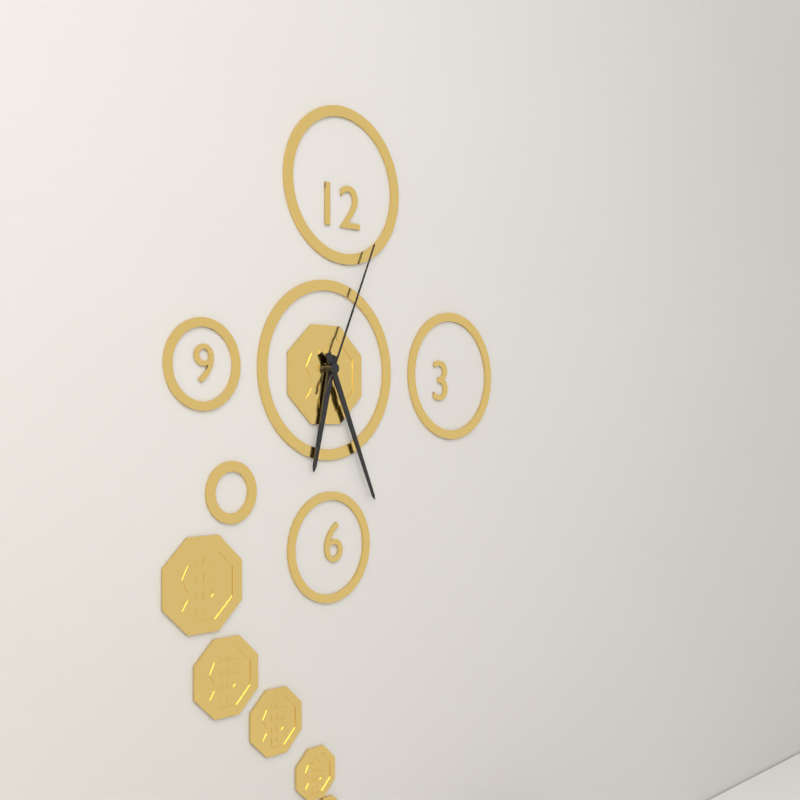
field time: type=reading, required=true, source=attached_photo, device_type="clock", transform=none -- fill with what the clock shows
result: 6:26:04
